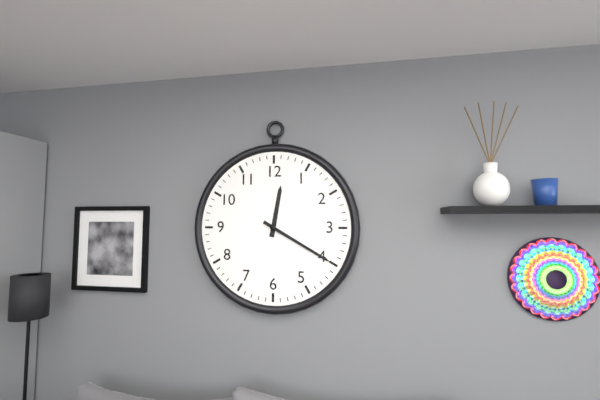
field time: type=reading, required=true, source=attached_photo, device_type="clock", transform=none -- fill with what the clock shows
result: 12:20
